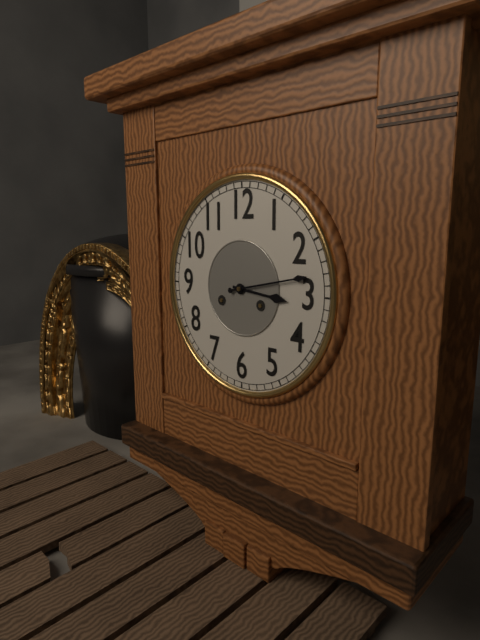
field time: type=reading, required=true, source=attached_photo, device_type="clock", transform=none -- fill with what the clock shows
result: 3:13
